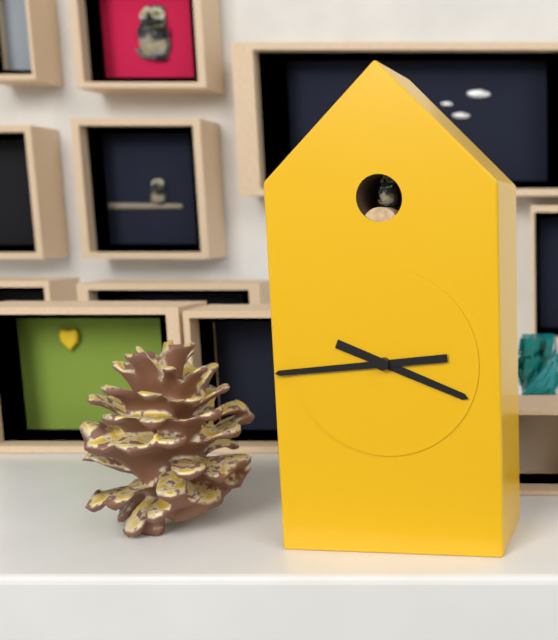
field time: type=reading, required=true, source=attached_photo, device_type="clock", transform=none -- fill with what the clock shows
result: 3:44
